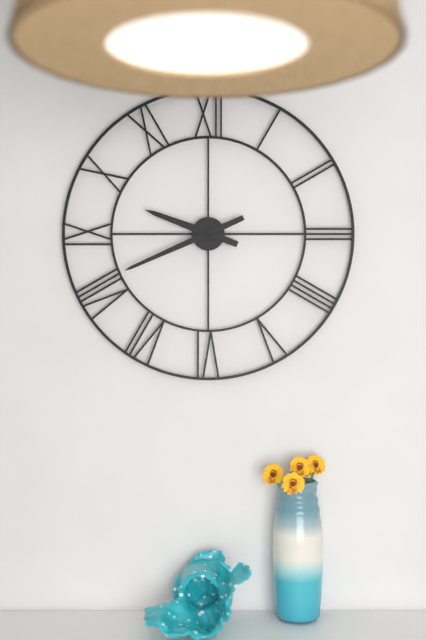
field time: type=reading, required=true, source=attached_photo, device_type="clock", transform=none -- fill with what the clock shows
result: 9:41
